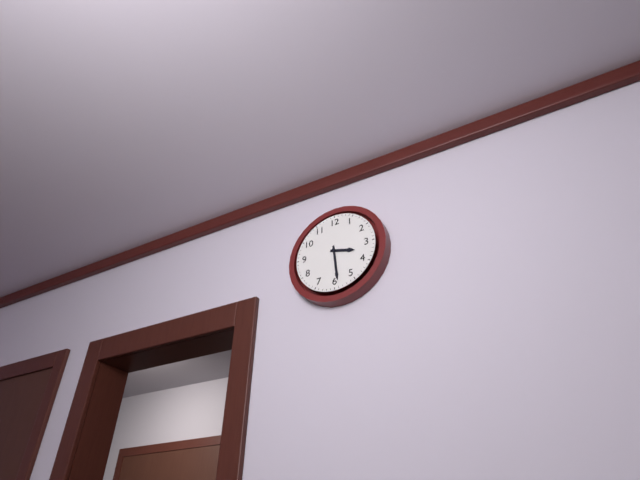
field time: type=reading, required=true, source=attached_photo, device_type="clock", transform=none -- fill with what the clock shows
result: 3:29
